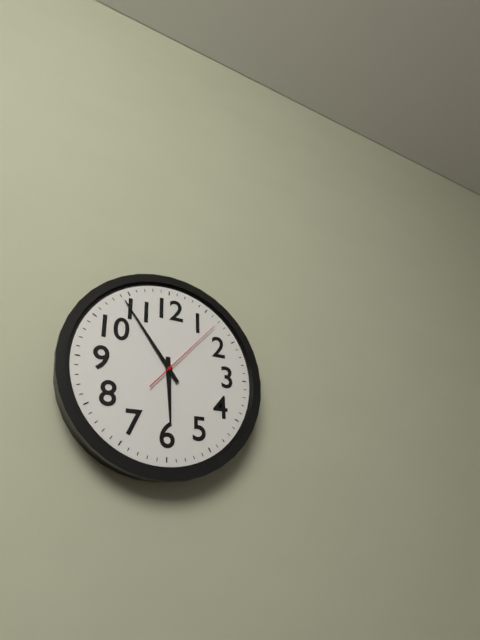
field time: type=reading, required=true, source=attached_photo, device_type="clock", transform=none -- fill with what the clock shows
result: 5:54:07
